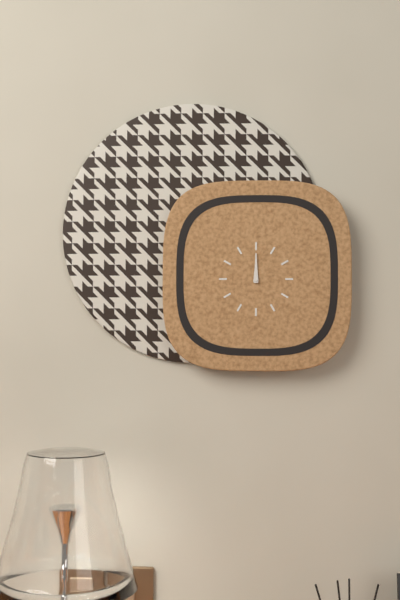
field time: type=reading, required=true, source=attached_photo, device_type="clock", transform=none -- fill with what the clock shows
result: 12:00
